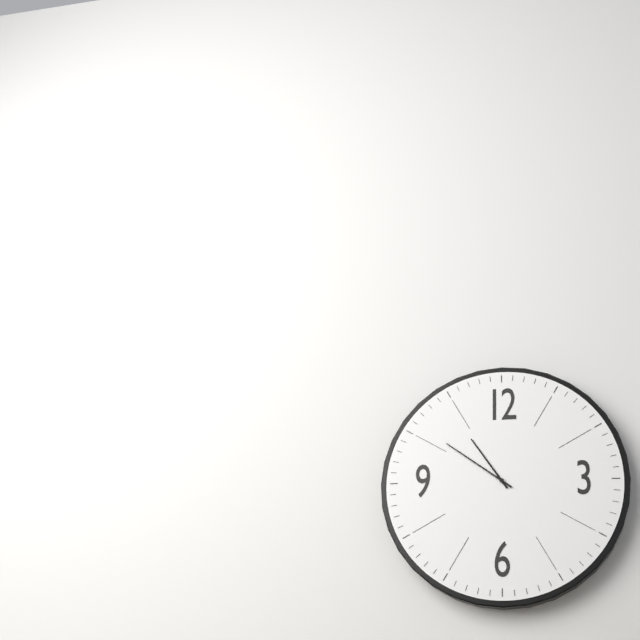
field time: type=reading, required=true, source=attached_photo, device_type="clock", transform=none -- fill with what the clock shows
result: 10:51
